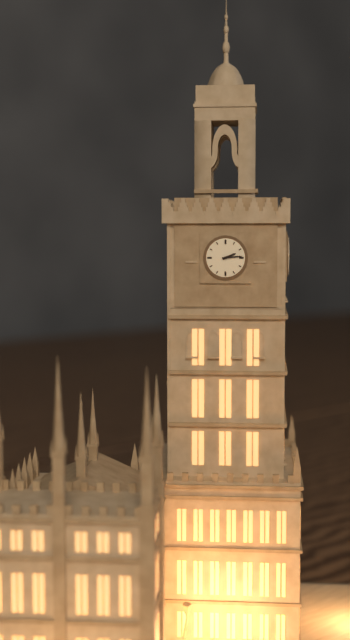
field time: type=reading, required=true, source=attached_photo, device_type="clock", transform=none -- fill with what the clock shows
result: 2:14
